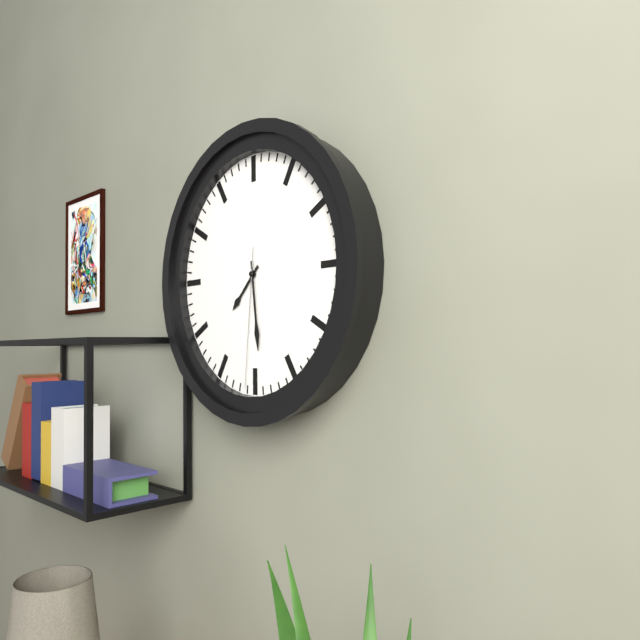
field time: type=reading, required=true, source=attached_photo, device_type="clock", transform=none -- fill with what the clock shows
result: 7:29:31
